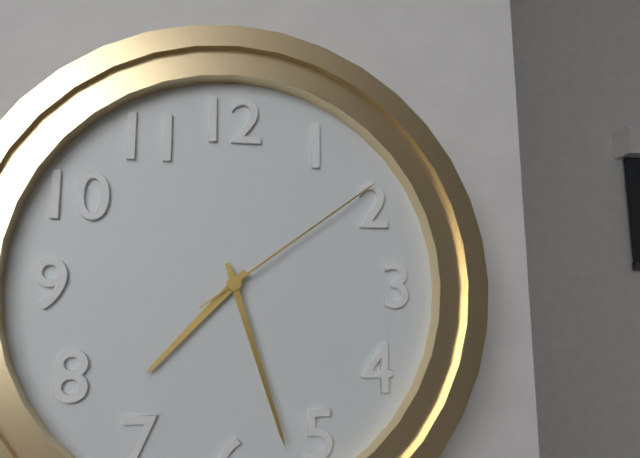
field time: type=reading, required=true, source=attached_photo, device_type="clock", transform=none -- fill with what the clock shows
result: 7:27:09
